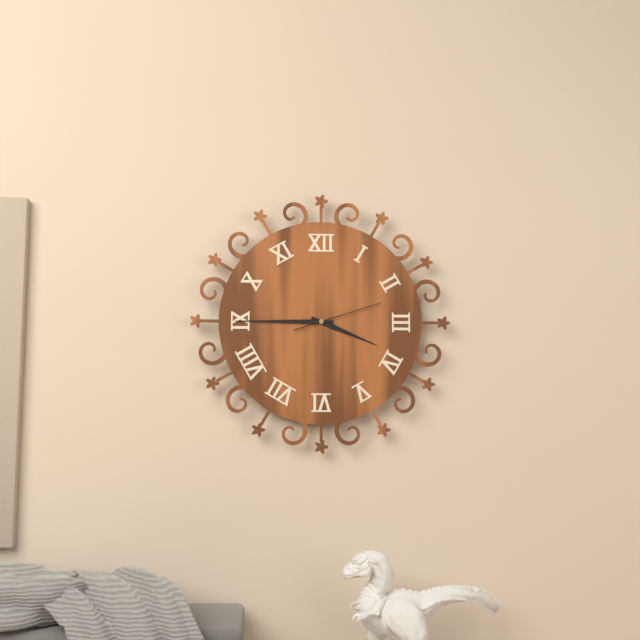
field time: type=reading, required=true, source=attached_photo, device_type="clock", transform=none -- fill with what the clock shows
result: 3:45:12
